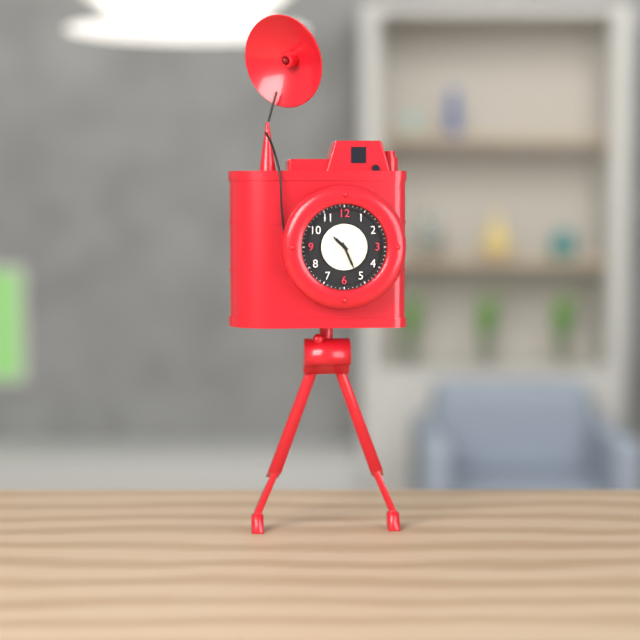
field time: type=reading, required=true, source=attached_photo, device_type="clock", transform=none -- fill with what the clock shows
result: 10:26
